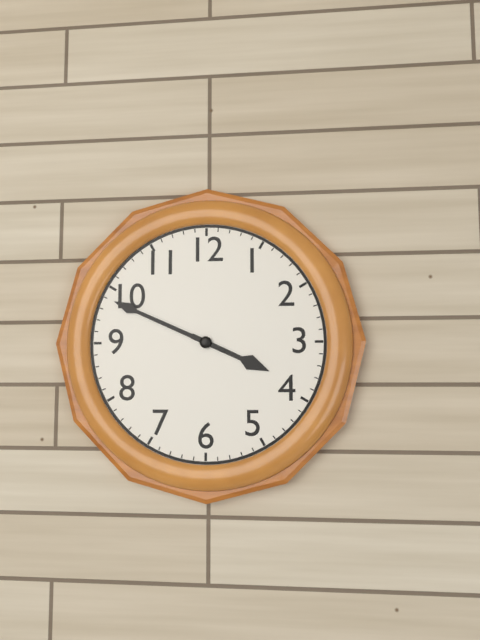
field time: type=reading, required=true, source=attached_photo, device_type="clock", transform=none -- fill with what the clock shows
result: 3:49
